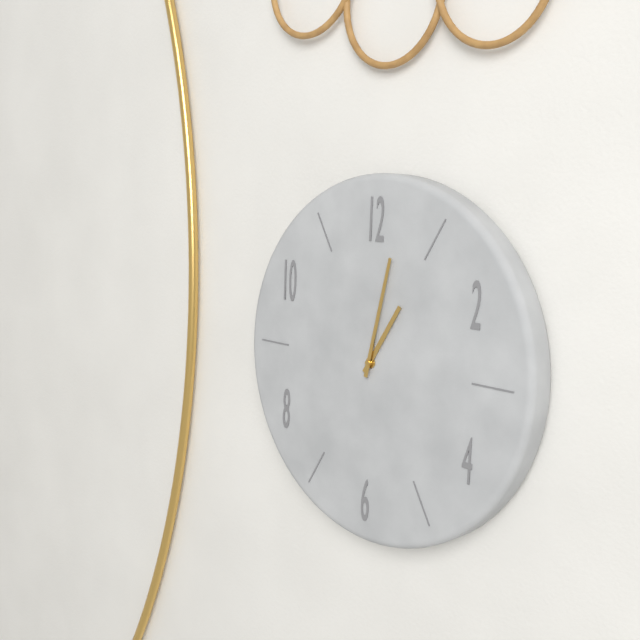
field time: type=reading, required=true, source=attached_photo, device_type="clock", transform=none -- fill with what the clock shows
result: 1:02
